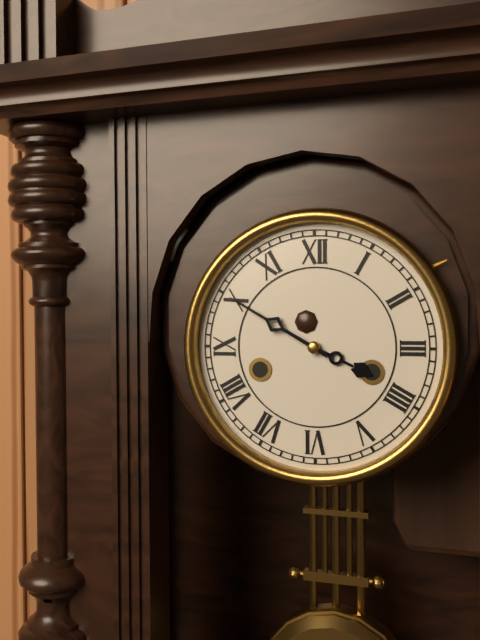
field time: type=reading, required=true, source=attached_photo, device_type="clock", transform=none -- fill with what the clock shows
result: 3:50
